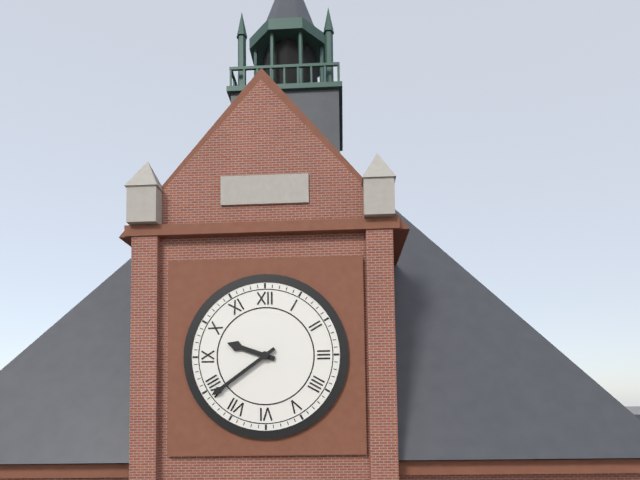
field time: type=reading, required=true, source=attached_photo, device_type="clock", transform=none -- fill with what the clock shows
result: 9:39
